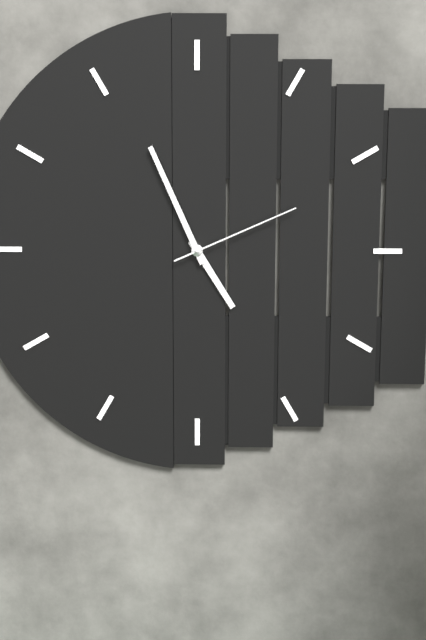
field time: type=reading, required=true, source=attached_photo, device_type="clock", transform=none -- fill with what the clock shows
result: 4:56:11
